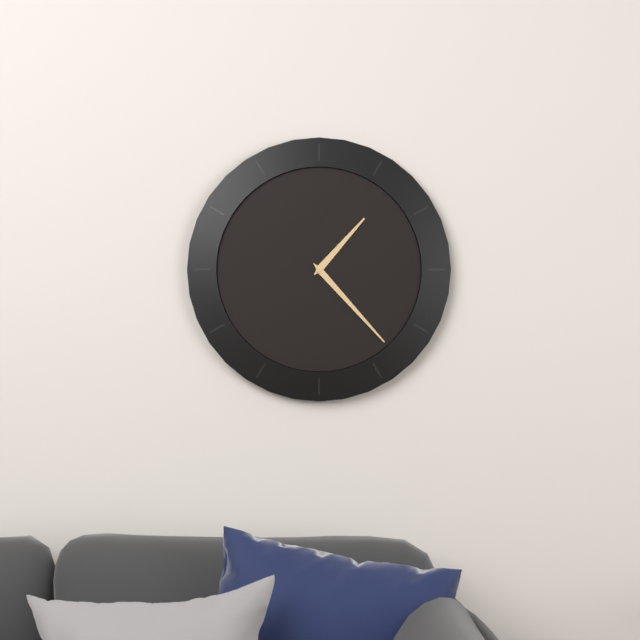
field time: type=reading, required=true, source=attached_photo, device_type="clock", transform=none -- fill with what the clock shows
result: 1:23
